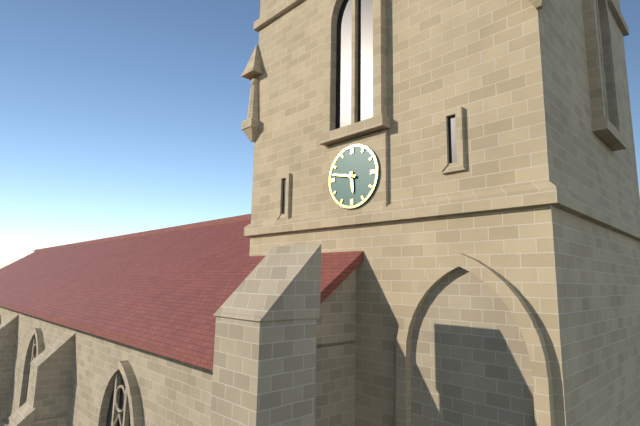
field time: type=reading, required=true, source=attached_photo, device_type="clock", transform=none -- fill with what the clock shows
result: 5:47
